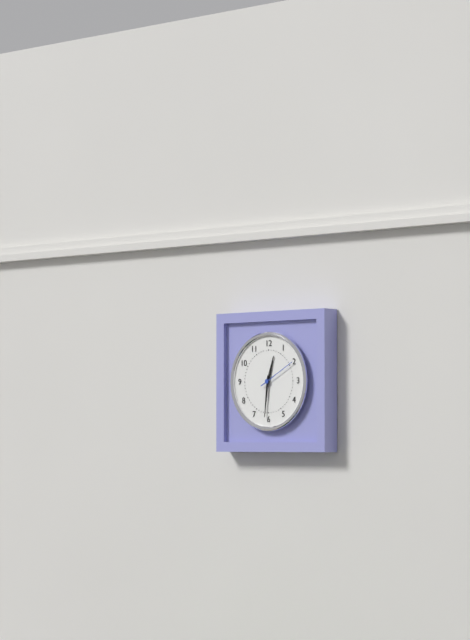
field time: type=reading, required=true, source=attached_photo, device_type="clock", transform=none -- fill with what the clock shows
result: 12:31
